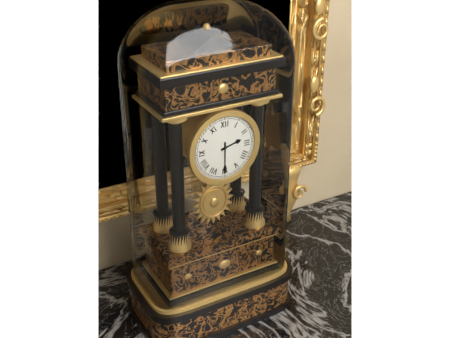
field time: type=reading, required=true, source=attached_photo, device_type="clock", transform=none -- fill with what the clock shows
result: 2:30
